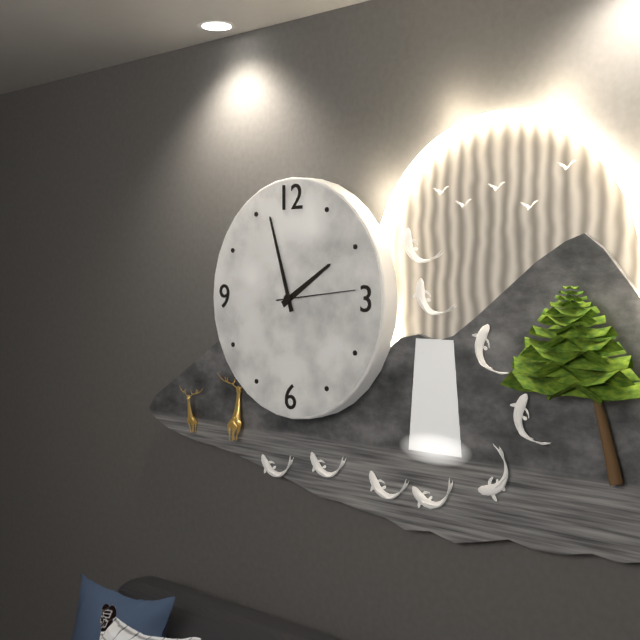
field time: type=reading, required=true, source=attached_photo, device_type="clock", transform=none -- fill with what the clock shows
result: 1:57:14
